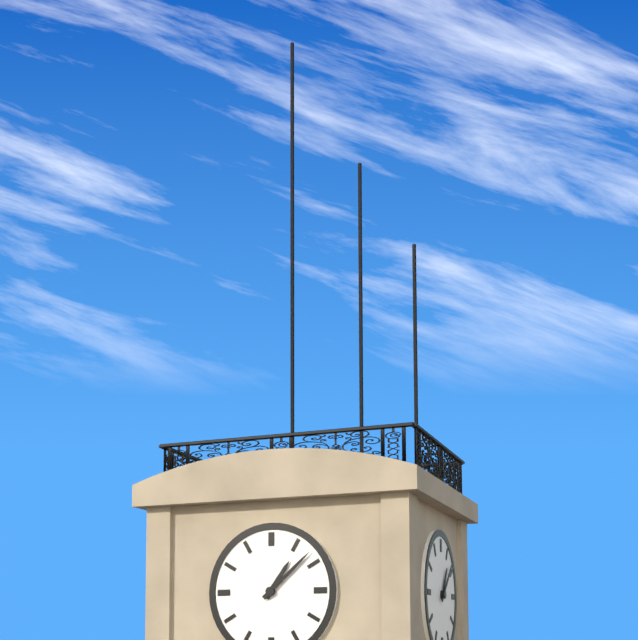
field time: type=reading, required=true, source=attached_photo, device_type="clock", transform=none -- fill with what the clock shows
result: 1:08
